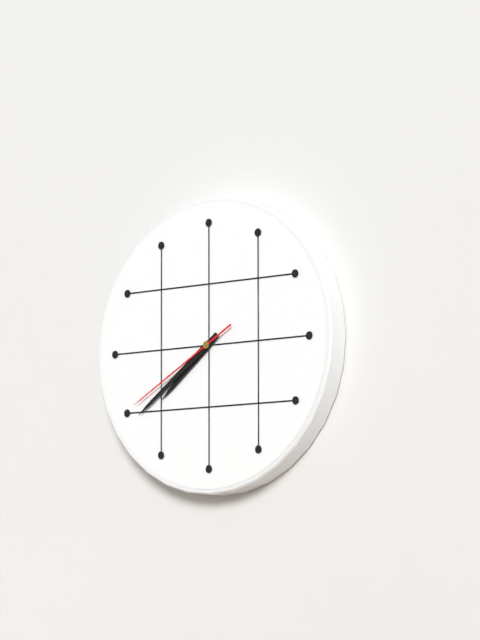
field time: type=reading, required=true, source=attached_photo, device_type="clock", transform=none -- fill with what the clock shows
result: 7:39:40
